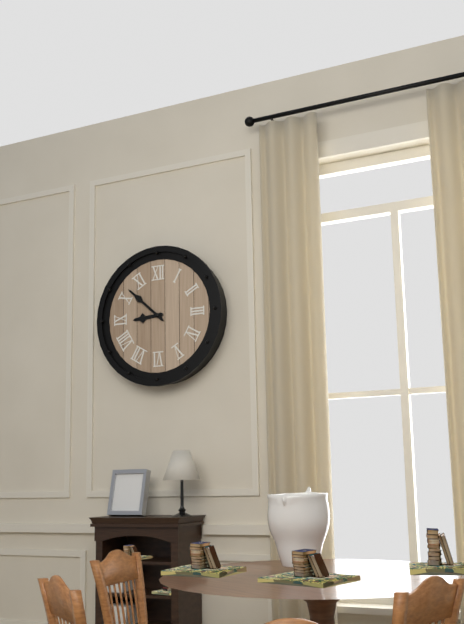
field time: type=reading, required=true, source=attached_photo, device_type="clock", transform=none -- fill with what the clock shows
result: 8:52
